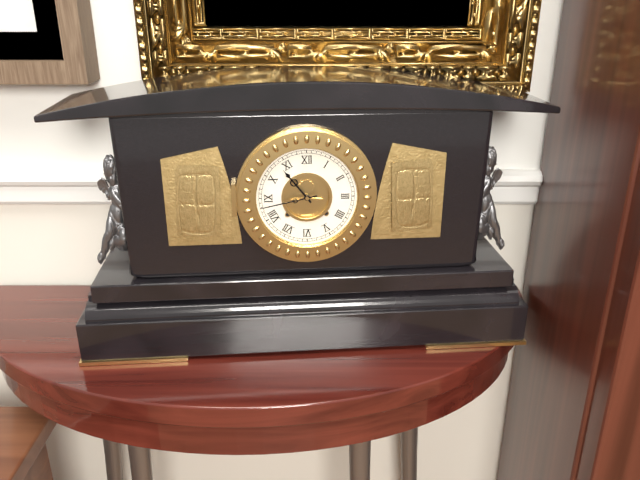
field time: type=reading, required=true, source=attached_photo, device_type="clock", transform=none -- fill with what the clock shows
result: 10:43
